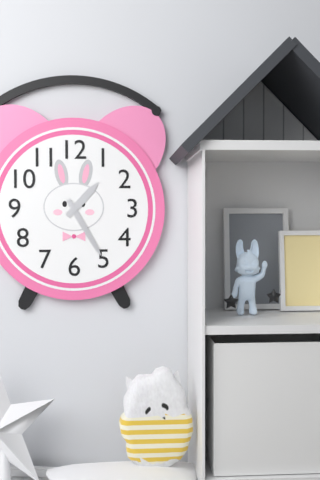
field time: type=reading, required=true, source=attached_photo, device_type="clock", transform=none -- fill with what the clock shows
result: 1:25
